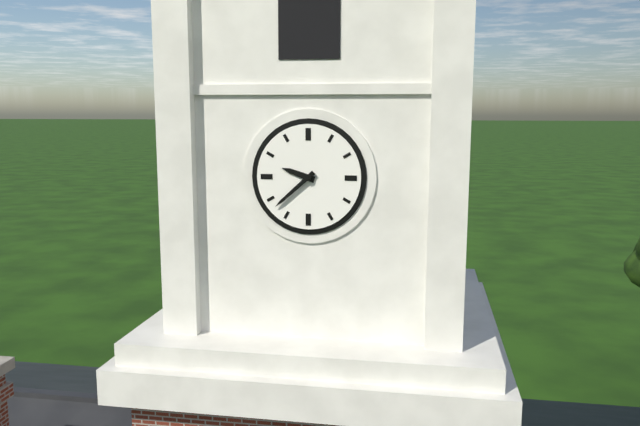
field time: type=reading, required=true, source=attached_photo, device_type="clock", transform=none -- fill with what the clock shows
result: 9:38
